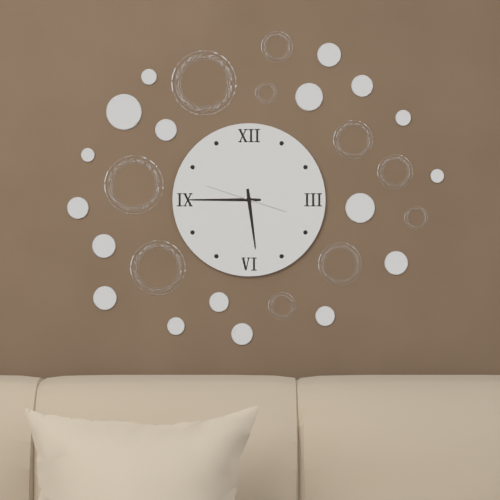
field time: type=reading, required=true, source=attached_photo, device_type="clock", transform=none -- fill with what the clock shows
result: 5:45:48
